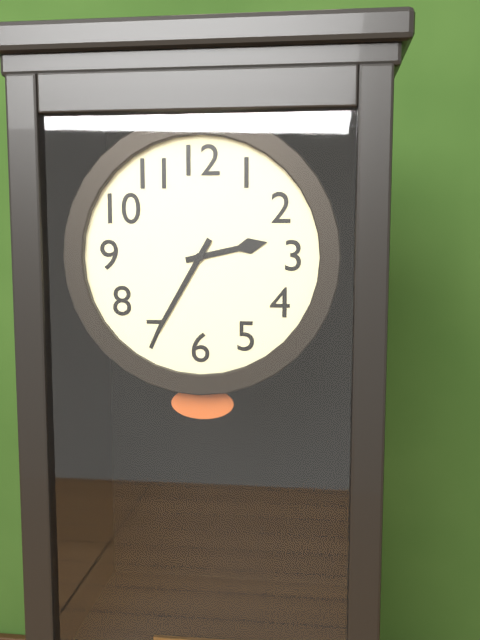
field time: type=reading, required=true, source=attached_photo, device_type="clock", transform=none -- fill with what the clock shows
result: 2:35
